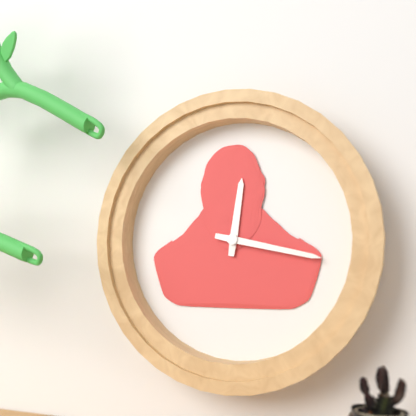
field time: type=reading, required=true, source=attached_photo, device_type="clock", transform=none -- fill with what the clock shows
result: 12:17
